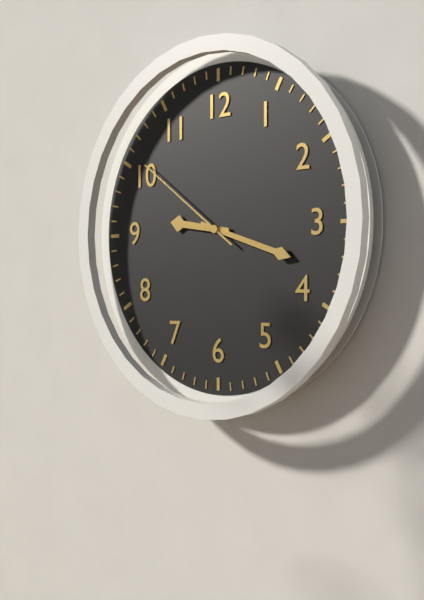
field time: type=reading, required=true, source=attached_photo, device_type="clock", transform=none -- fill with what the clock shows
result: 9:18:51
